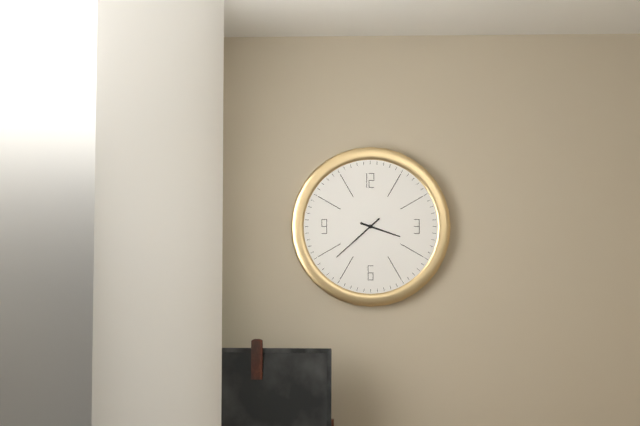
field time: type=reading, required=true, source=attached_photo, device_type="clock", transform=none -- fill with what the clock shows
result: 3:38
